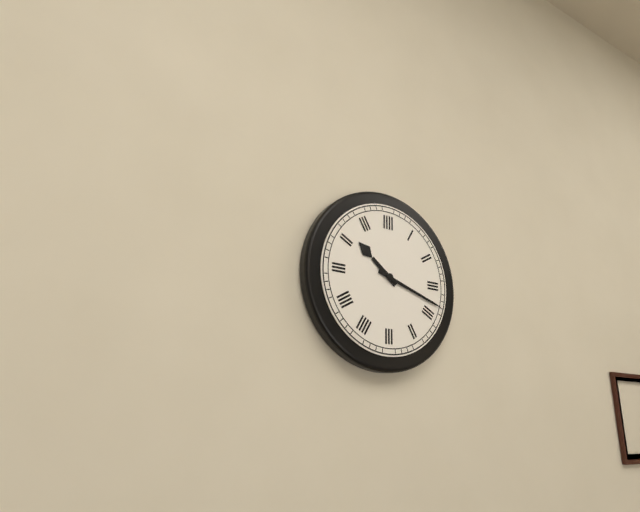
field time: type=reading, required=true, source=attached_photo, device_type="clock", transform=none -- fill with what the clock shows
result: 10:18
